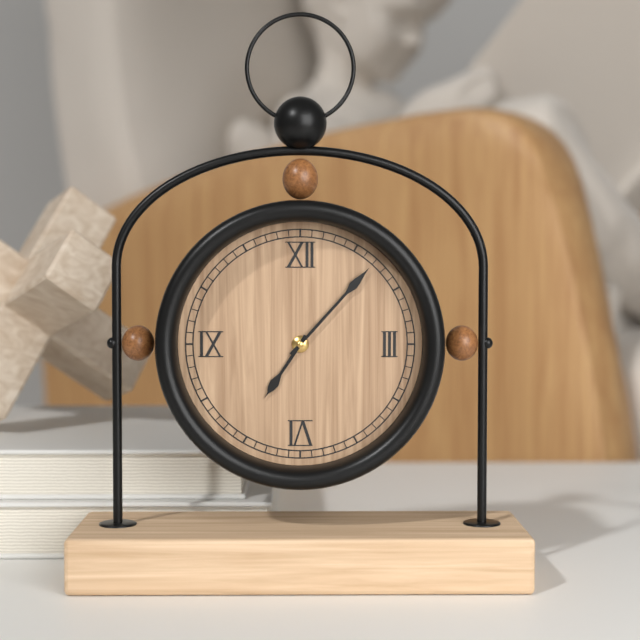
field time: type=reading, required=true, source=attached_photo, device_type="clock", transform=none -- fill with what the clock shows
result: 7:07
